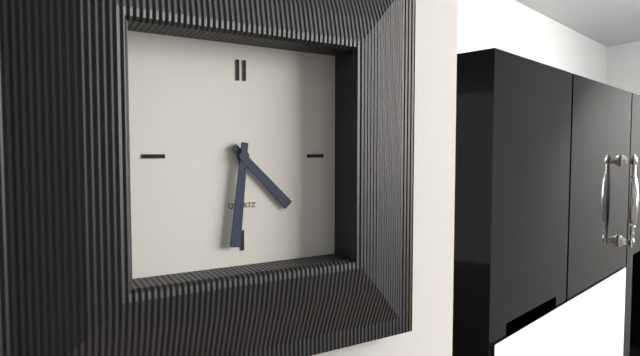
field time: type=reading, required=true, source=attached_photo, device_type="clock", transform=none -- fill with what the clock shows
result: 4:31
